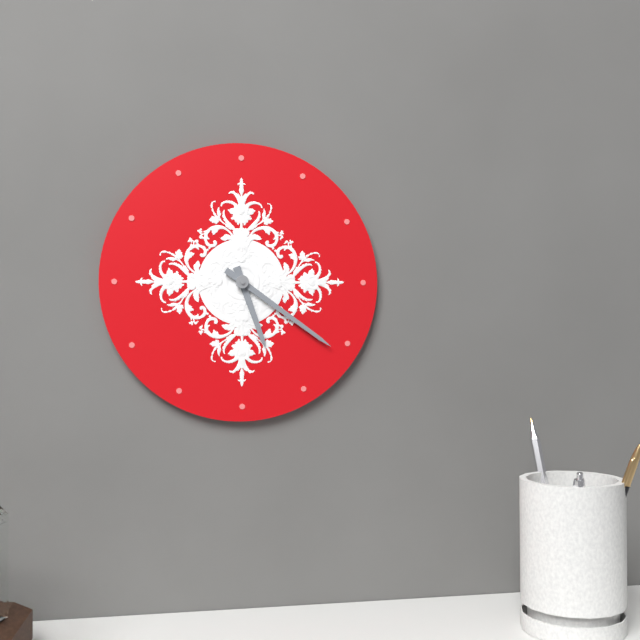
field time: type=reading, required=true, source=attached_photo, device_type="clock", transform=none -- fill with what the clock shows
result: 5:21
